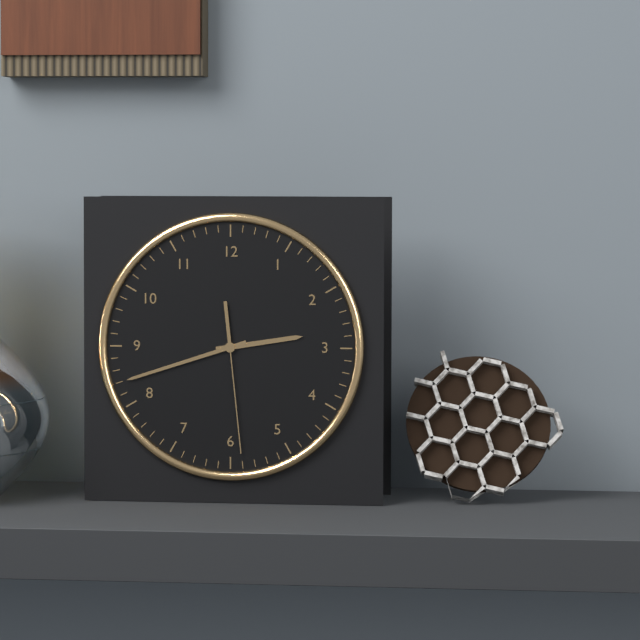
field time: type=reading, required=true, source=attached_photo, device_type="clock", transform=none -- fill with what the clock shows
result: 2:42:29
